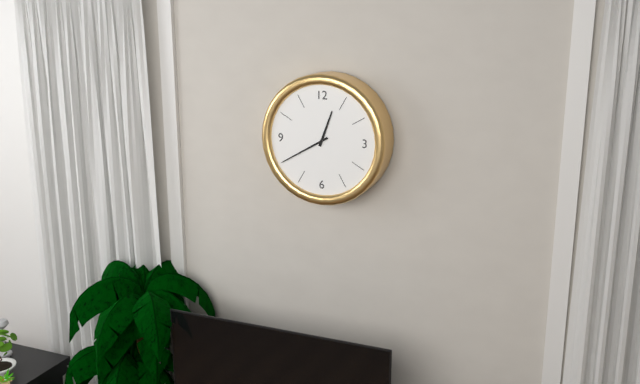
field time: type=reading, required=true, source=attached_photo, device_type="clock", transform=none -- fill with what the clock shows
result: 12:40
